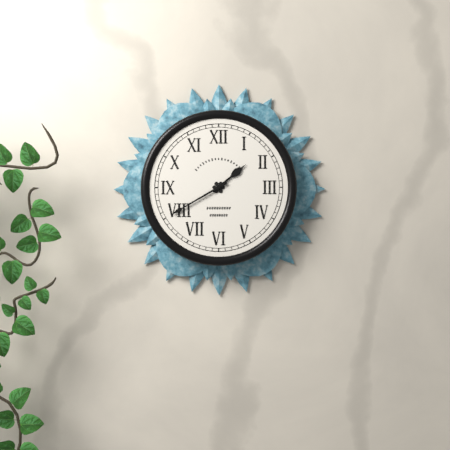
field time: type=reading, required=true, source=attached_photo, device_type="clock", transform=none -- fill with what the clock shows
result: 1:40
